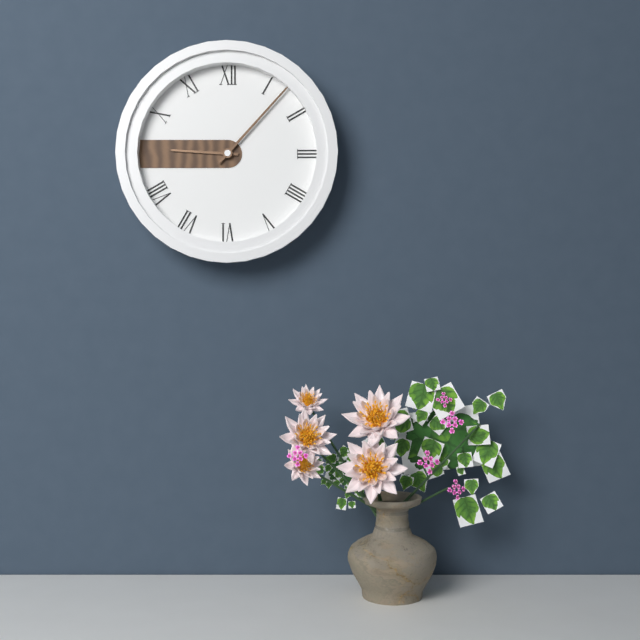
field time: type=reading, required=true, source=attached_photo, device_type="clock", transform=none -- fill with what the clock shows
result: 9:07
